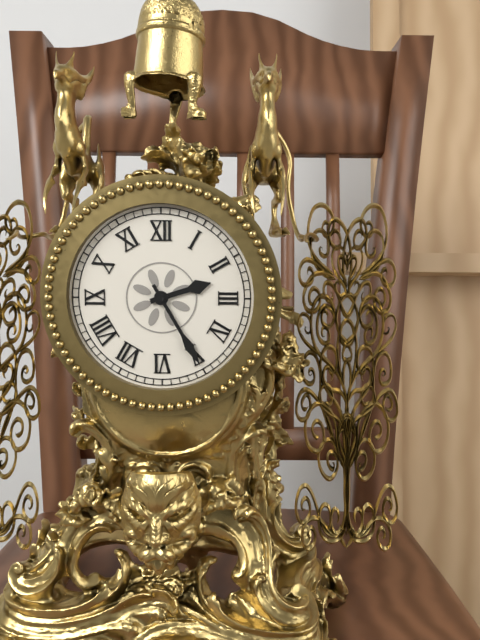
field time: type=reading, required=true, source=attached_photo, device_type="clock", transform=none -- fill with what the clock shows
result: 2:25
